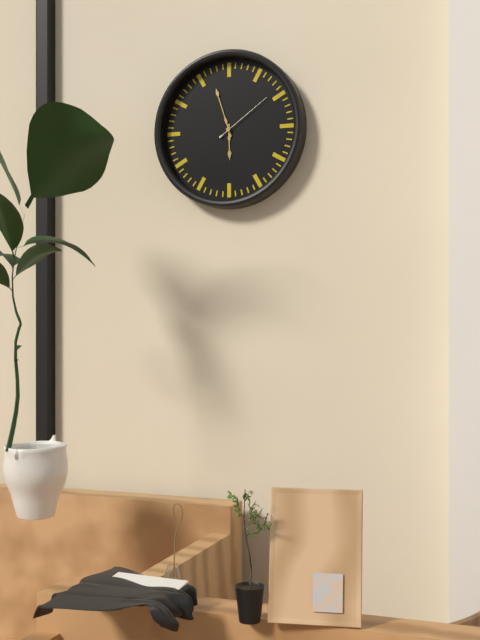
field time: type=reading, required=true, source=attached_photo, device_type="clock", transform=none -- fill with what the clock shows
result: 5:57:09
